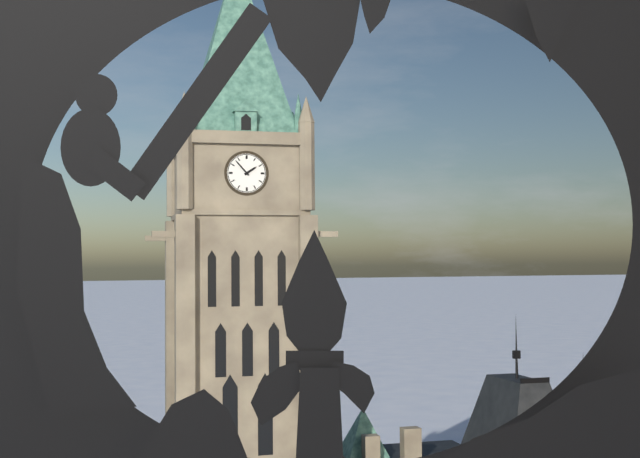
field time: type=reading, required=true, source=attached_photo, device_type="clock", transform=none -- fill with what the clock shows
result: 1:53
